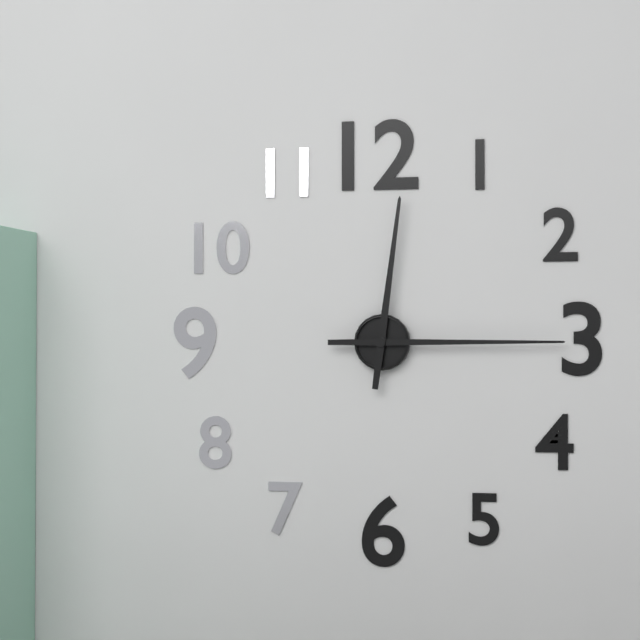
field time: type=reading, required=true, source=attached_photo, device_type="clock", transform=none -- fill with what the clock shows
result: 12:15
